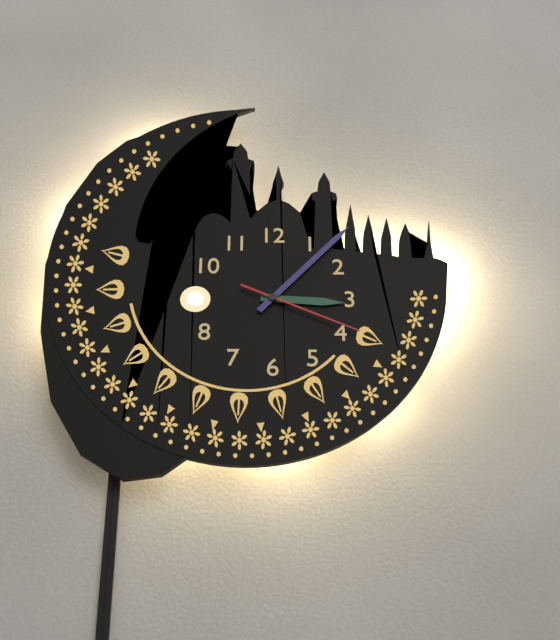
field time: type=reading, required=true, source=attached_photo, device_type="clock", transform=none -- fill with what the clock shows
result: 3:07:19
